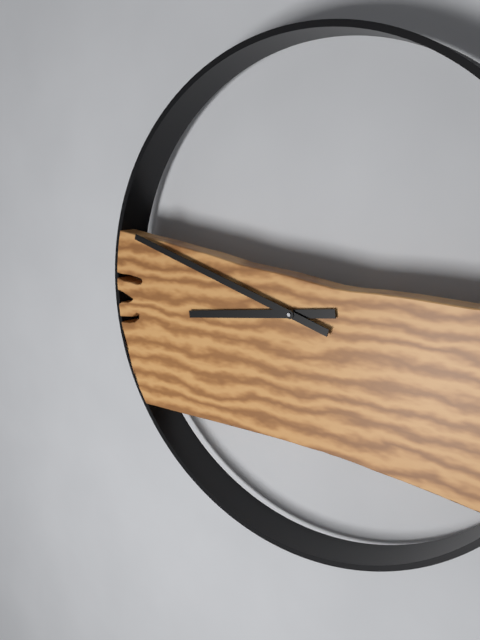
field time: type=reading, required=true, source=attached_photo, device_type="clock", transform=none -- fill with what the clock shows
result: 8:48
